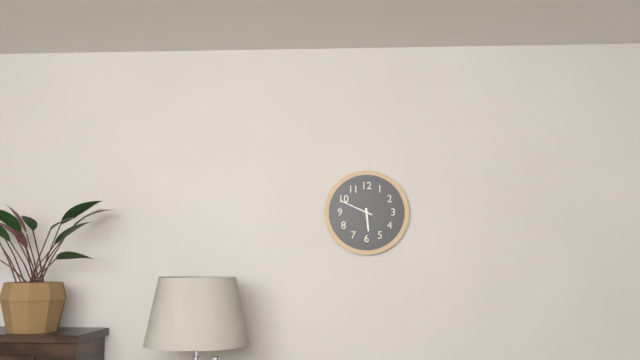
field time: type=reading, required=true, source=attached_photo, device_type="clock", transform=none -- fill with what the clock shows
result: 5:49
